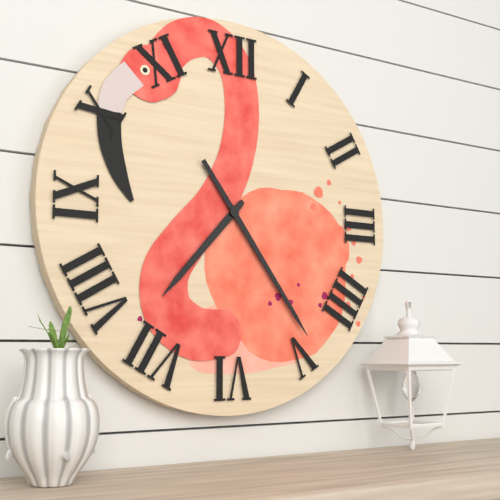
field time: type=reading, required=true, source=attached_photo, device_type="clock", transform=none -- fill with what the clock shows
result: 7:24
